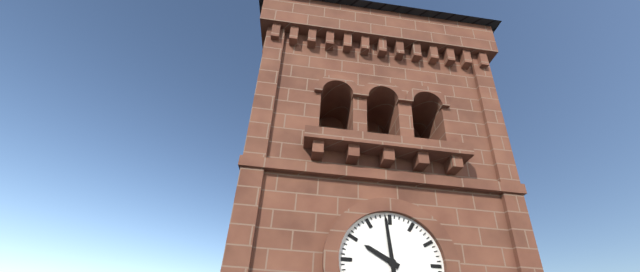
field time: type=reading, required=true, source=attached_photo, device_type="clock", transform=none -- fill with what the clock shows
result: 9:59
